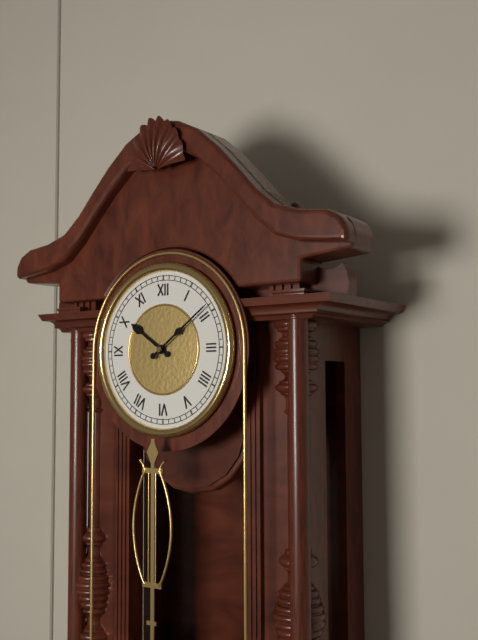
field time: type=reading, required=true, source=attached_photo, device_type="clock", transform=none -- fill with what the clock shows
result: 10:09
